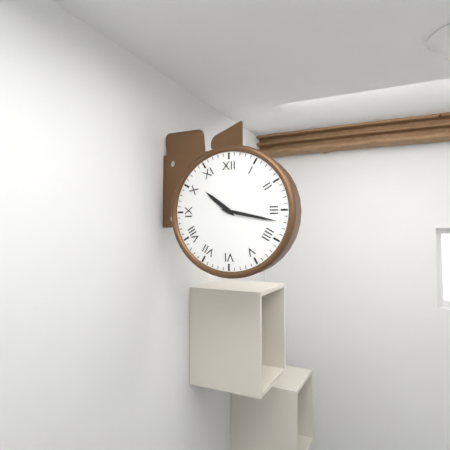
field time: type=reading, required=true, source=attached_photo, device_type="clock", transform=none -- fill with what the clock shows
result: 10:17
